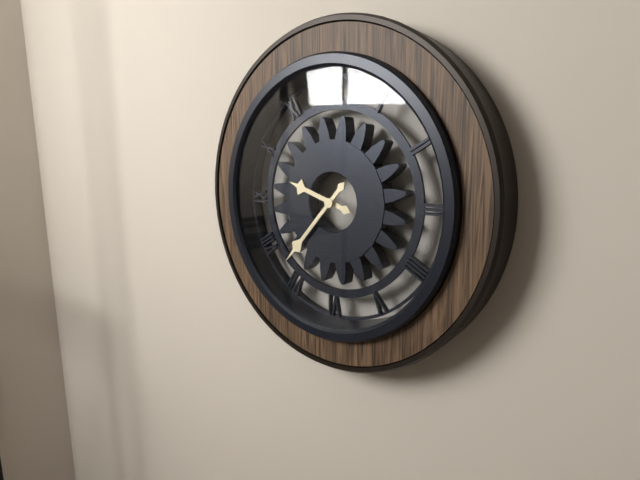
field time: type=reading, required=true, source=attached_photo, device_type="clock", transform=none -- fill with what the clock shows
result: 9:37
